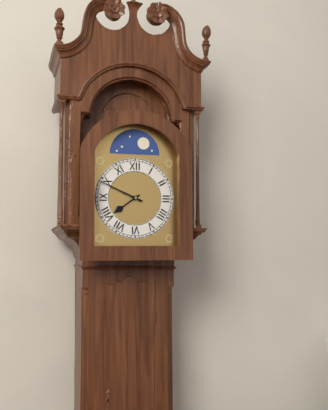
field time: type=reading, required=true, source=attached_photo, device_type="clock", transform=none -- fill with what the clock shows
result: 7:49
